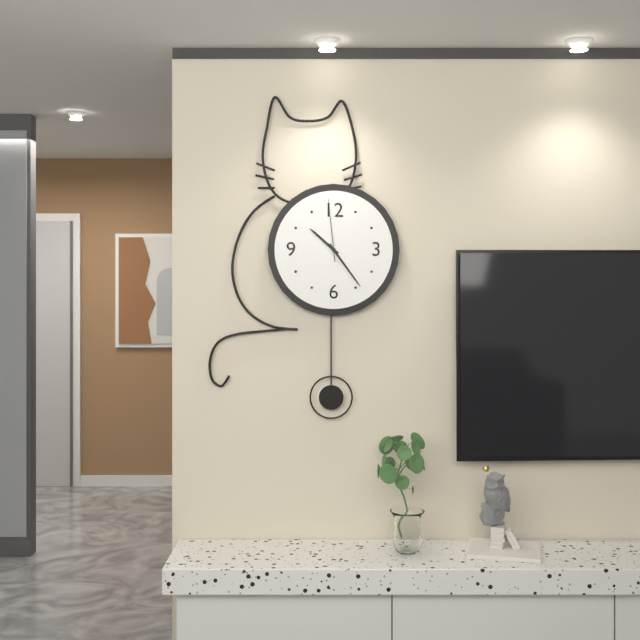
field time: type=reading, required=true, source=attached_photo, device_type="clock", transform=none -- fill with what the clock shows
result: 10:24:59
